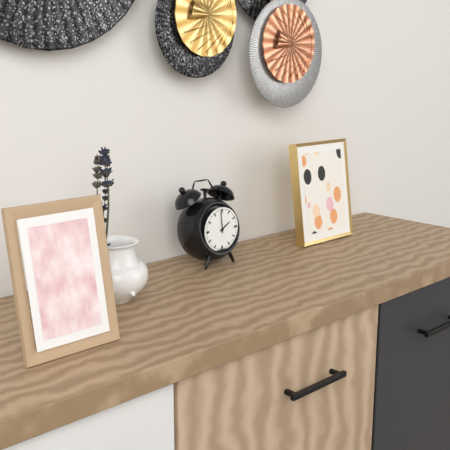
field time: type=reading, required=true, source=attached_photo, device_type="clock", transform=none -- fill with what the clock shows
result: 1:59
